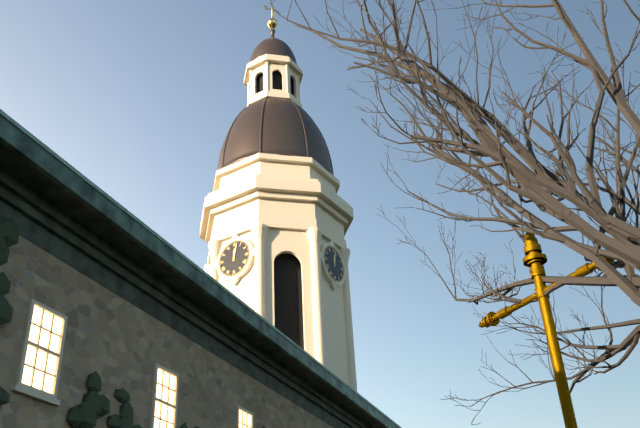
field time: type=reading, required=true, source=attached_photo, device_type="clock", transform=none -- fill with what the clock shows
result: 12:02
